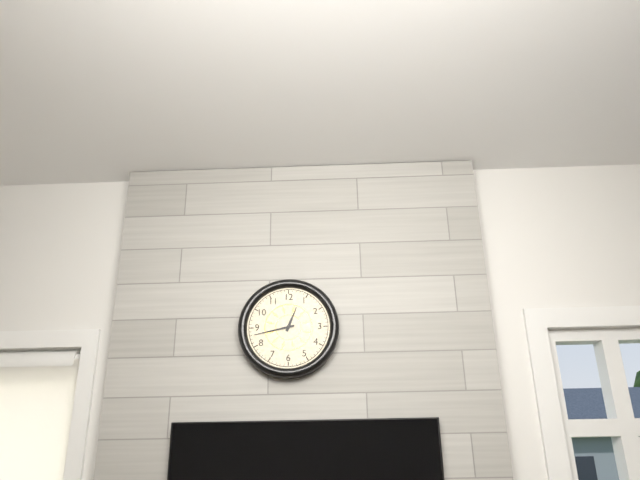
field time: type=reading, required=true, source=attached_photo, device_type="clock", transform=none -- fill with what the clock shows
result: 12:43
